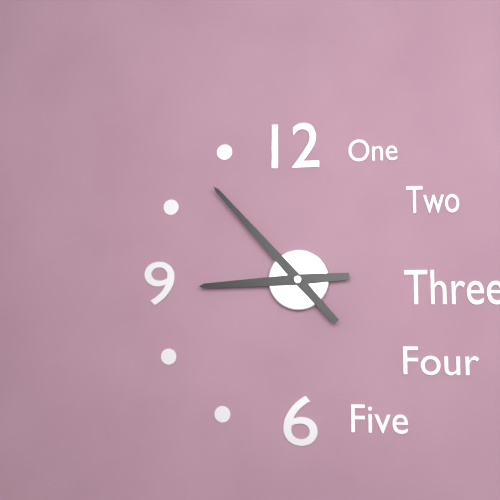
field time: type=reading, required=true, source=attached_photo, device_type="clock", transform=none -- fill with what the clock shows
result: 8:53
